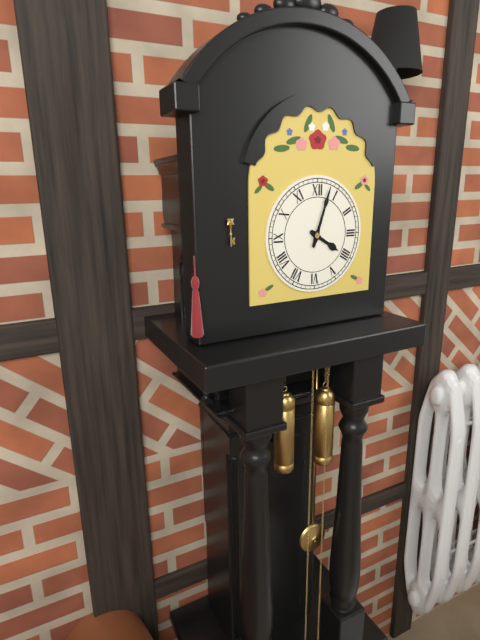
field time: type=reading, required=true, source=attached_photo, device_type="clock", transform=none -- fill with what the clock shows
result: 4:03
